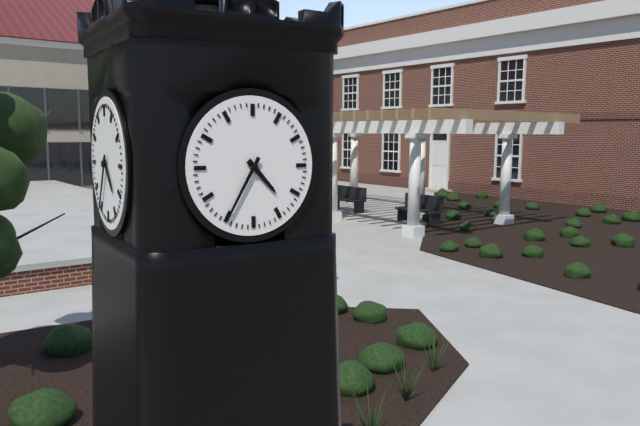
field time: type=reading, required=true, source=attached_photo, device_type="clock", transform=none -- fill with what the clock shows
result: 4:35
